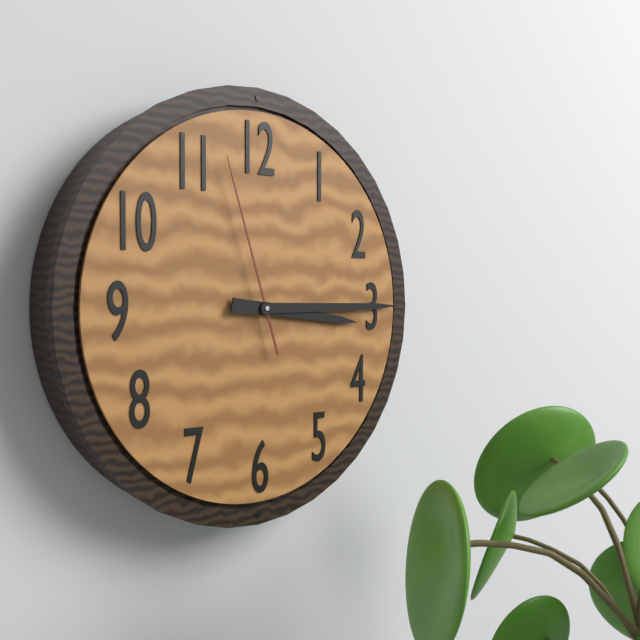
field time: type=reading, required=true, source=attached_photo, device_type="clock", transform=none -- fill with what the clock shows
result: 3:15:57
